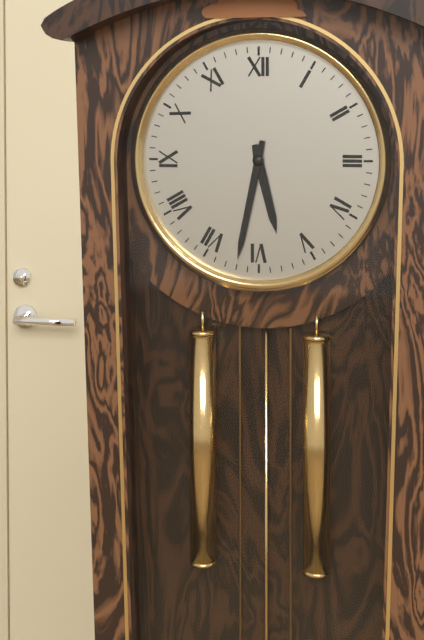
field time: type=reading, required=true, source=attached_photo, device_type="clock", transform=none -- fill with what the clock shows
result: 5:32
